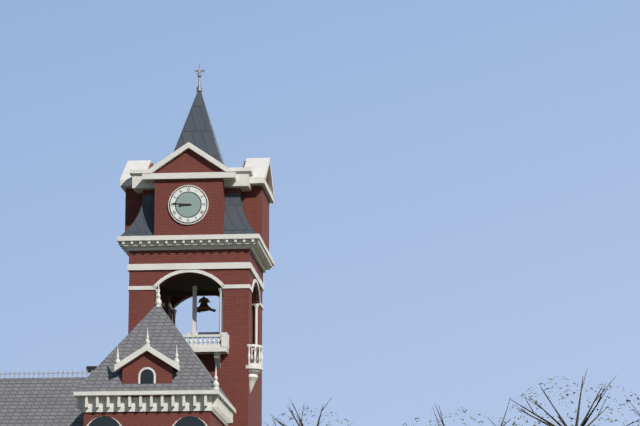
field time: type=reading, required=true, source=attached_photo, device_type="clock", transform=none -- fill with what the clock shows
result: 8:46
